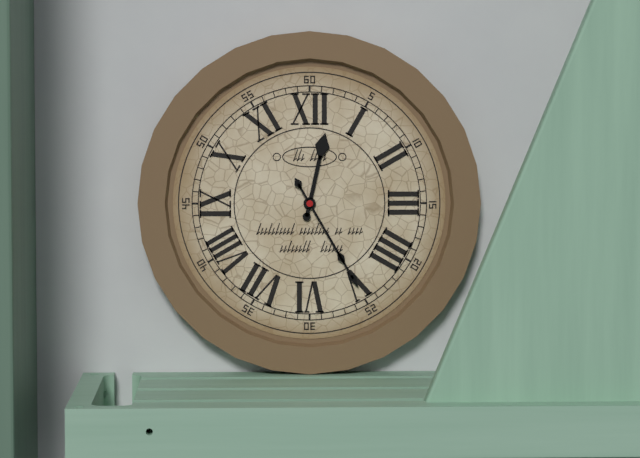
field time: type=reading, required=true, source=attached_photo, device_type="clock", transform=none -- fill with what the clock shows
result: 12:25
